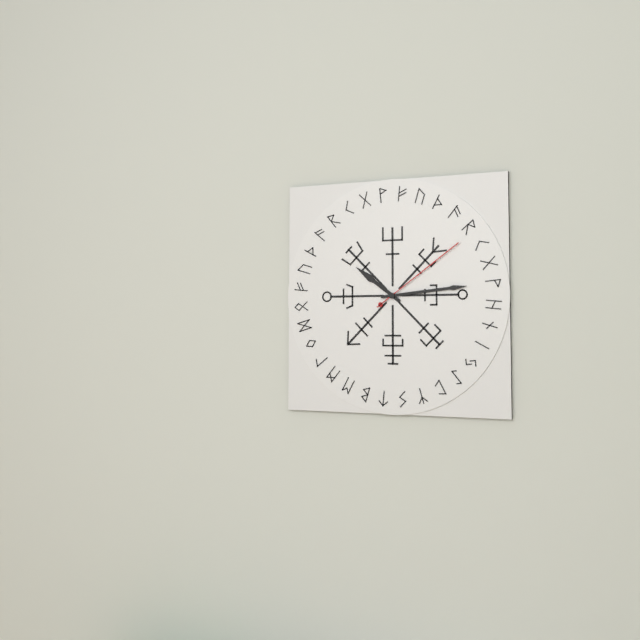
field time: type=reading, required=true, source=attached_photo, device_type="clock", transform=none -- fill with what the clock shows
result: 10:14:09
